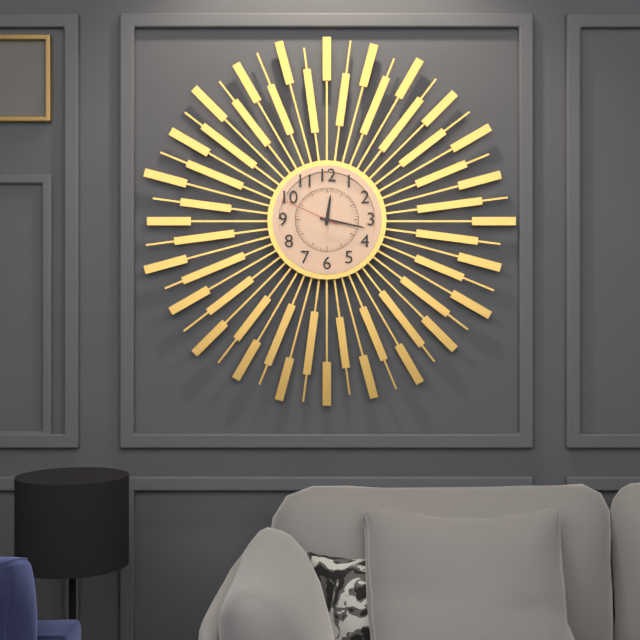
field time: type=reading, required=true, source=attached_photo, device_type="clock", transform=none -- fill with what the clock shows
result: 12:17:49
